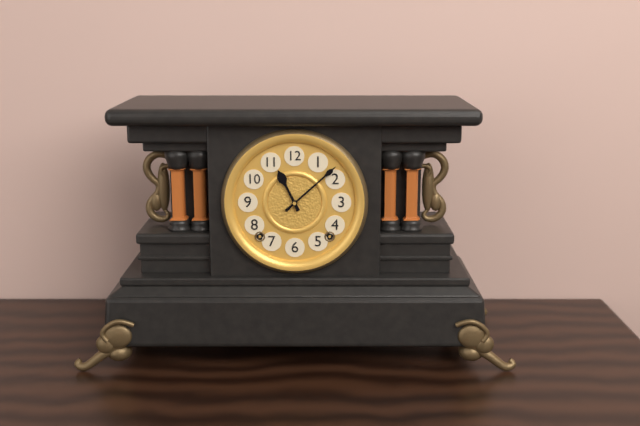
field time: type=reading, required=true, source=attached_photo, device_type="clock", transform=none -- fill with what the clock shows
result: 11:08
